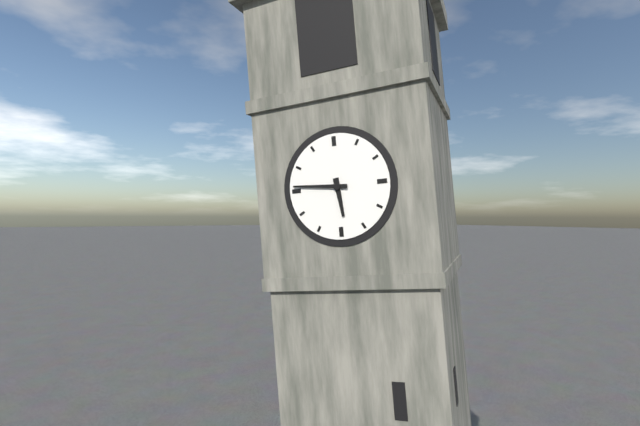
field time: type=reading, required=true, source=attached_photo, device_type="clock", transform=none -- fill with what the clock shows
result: 5:46
